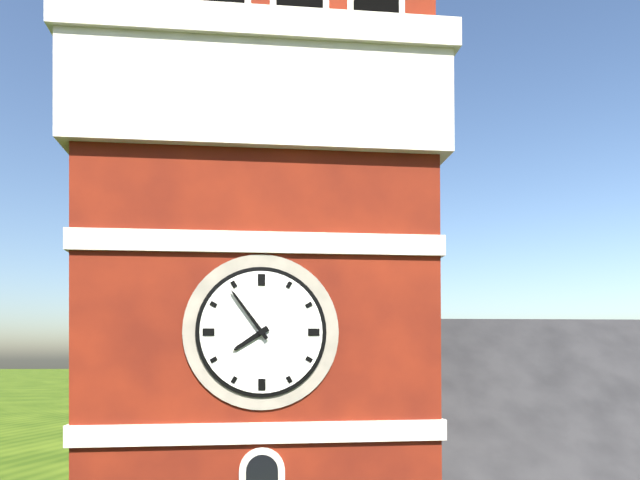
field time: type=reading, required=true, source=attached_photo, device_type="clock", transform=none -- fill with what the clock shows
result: 7:54
